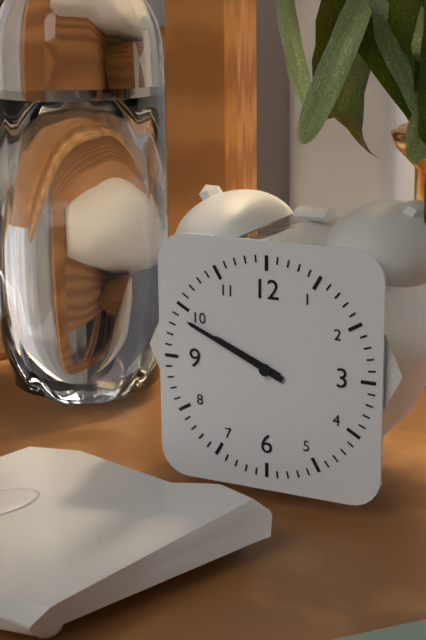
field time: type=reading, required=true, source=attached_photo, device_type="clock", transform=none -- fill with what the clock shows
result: 9:49
